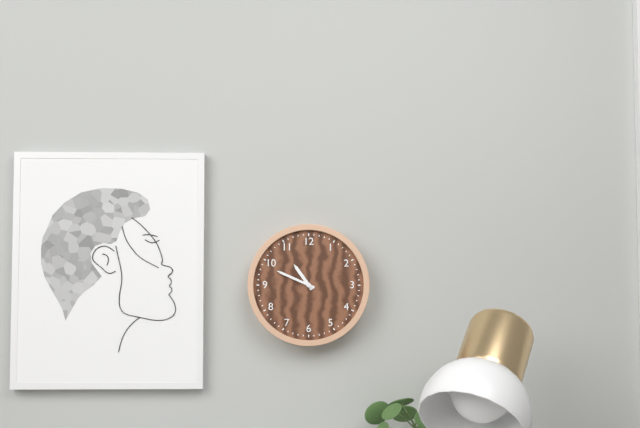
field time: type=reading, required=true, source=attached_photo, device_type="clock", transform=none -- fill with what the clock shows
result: 10:49
